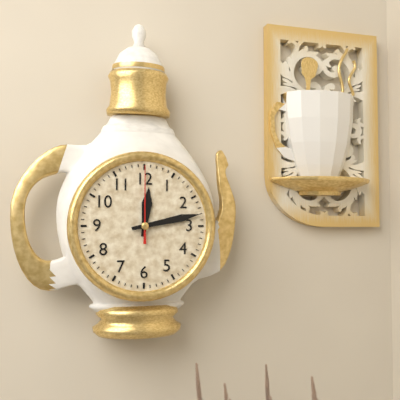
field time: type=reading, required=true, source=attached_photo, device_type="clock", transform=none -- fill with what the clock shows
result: 12:13:00
